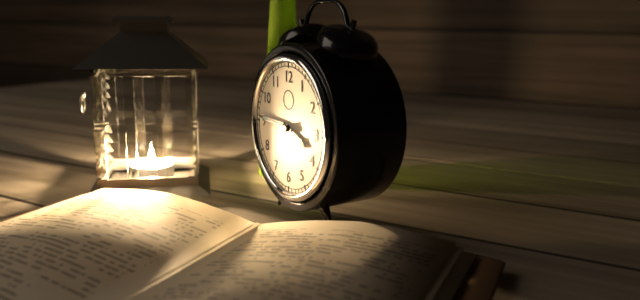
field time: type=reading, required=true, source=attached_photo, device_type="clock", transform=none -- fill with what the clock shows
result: 3:46
